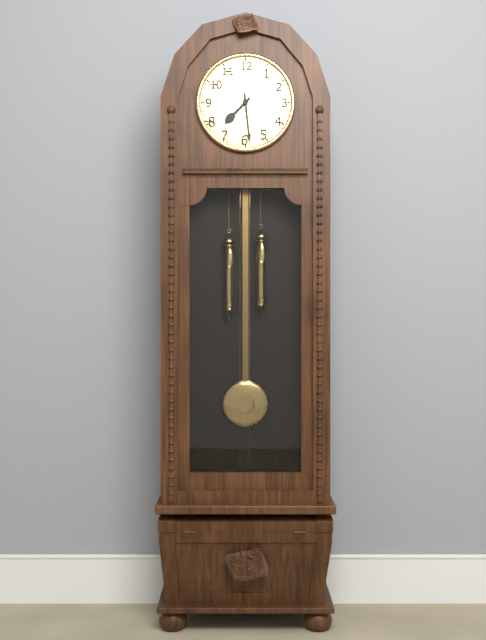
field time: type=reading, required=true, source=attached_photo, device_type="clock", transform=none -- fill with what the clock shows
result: 7:29
